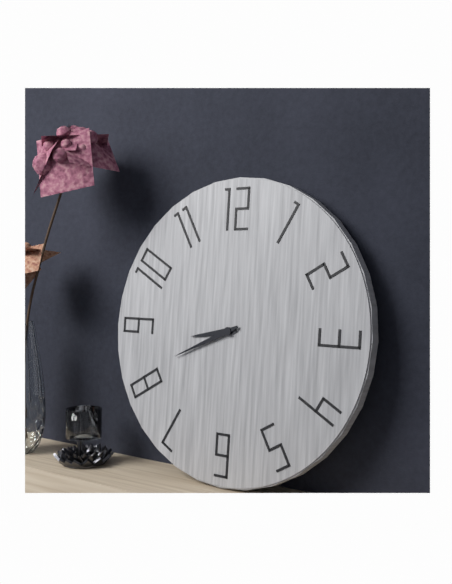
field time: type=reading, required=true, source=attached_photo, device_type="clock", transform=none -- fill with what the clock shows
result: 8:41
